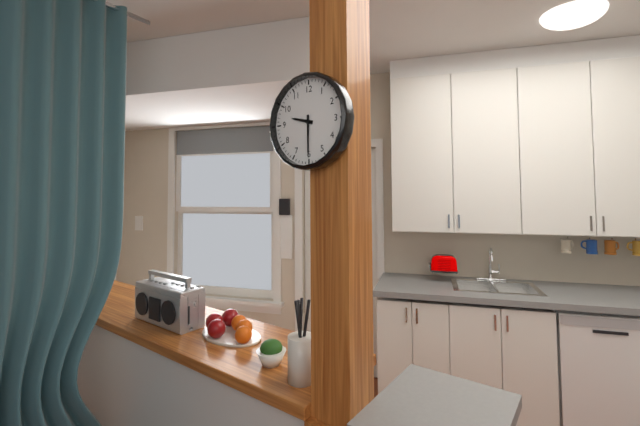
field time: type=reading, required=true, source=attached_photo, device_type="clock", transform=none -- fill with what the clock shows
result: 9:30
